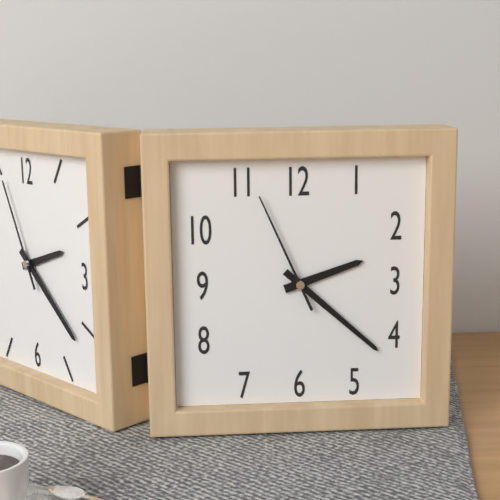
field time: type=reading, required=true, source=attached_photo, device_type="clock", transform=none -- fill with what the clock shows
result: 2:22:56
